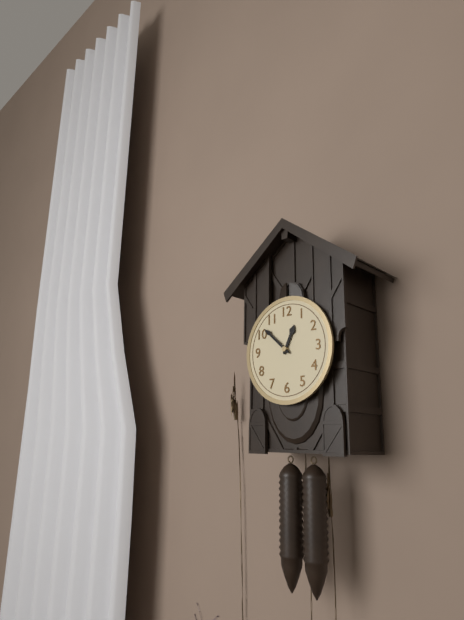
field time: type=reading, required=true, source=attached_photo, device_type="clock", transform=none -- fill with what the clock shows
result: 12:52
